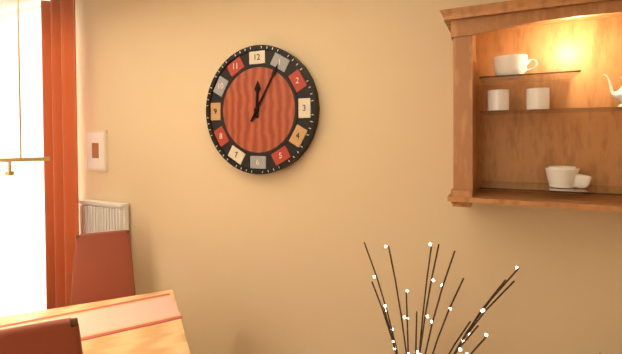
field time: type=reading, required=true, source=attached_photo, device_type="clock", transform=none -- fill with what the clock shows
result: 12:05
